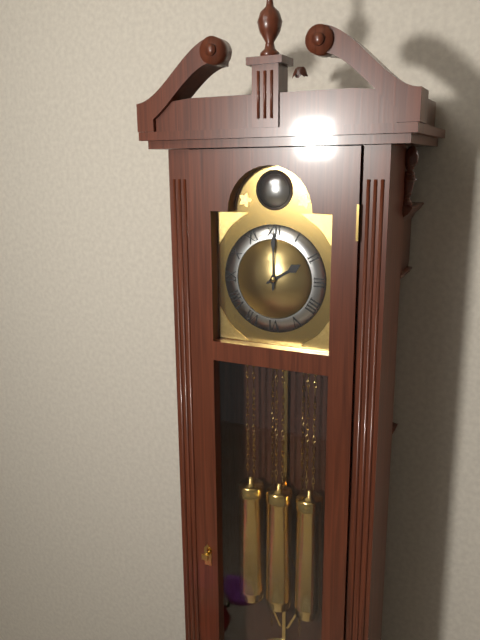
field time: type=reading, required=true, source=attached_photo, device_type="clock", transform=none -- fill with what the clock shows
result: 2:00
